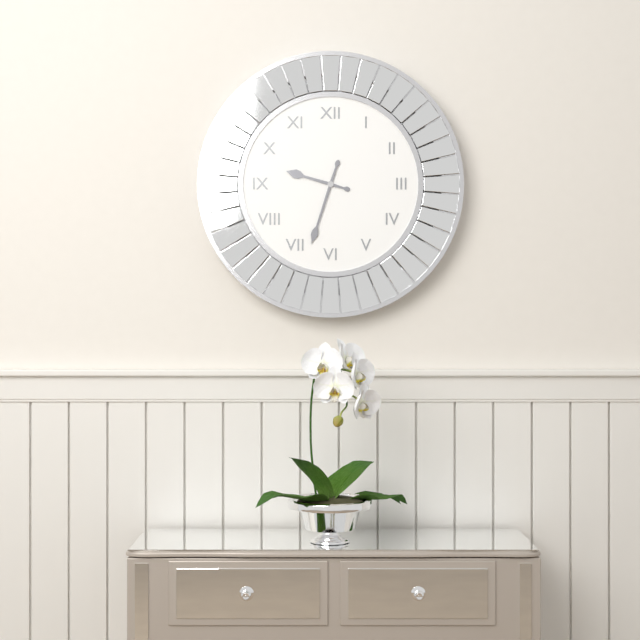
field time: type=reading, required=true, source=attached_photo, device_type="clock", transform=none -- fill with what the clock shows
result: 9:33
